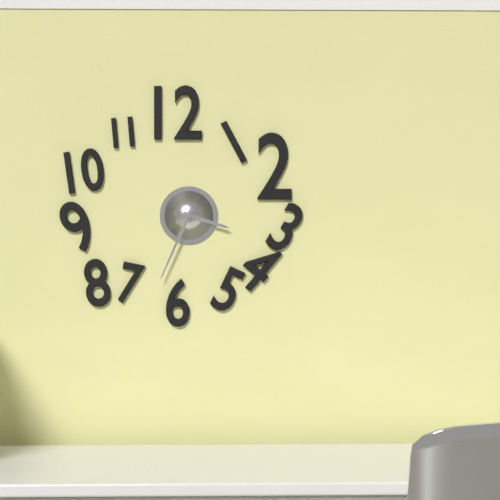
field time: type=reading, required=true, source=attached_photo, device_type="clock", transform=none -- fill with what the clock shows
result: 3:34
